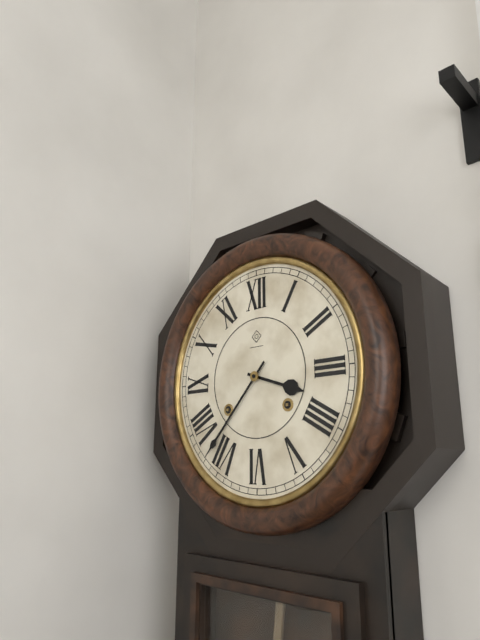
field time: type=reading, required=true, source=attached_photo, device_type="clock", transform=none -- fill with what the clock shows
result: 3:37
